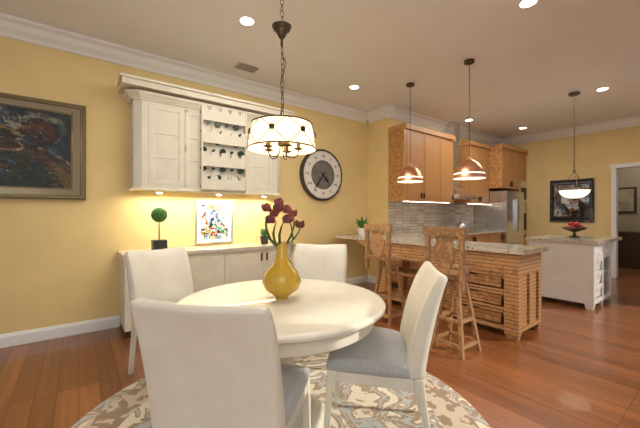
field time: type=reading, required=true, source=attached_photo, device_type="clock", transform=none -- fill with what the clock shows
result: 4:36
